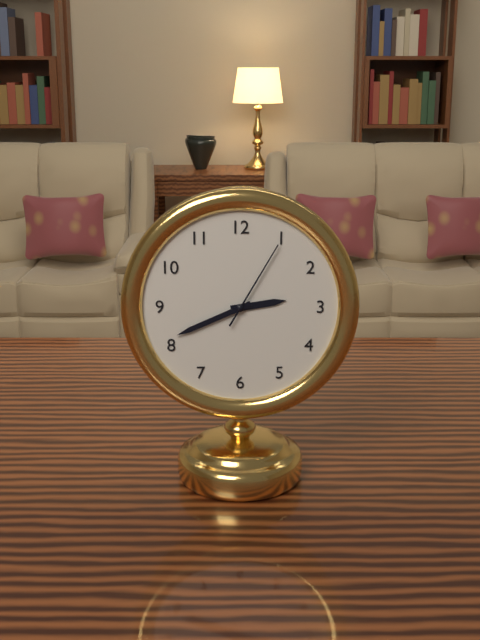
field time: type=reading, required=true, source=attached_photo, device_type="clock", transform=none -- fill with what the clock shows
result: 2:41:05
